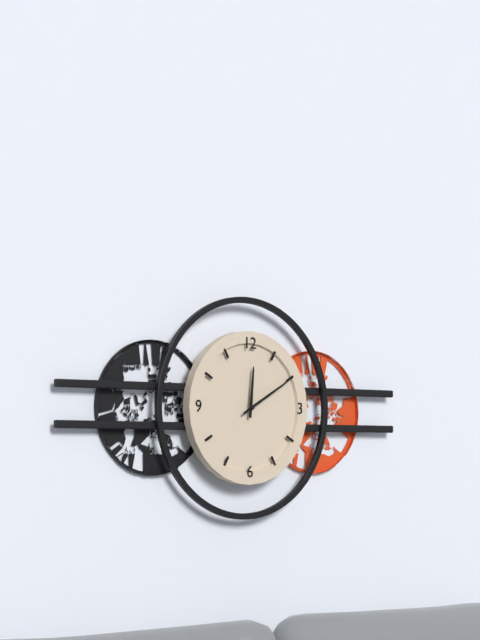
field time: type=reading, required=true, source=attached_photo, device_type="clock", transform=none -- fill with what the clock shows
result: 12:10
